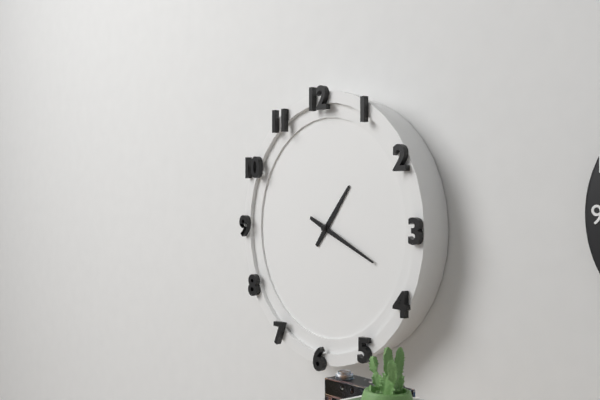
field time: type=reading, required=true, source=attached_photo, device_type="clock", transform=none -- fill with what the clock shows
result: 1:19
